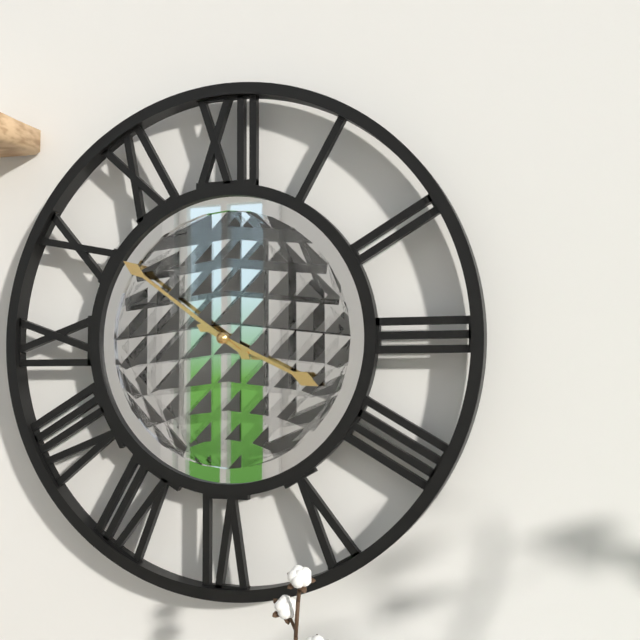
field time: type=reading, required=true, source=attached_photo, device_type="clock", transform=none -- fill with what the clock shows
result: 3:51
